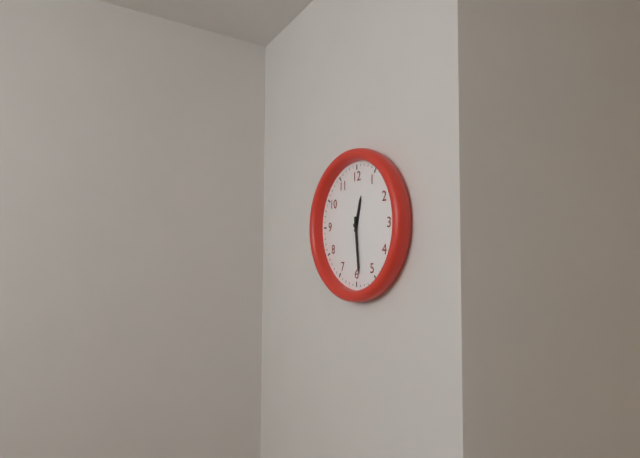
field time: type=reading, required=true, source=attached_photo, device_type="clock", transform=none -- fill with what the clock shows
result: 12:29
